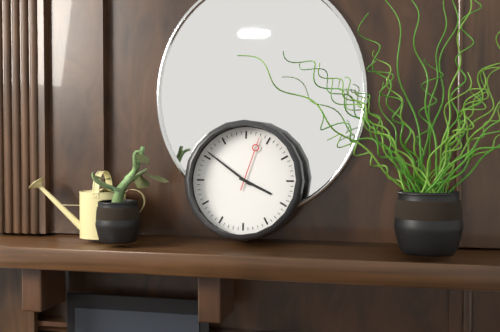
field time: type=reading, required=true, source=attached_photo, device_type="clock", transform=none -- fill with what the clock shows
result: 3:51:03
